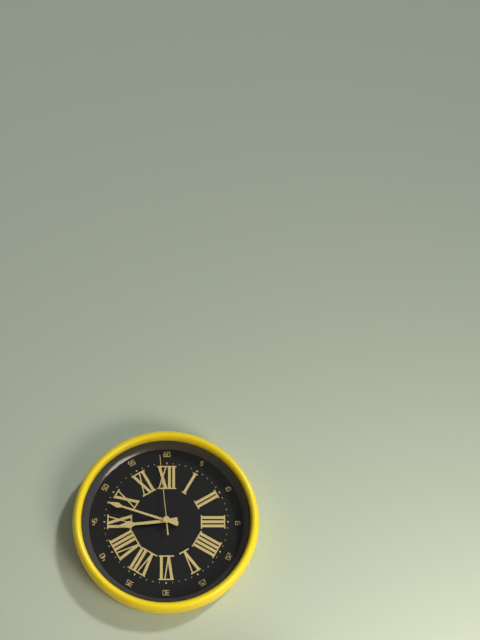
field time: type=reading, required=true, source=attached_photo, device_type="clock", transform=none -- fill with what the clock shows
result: 8:48:59
